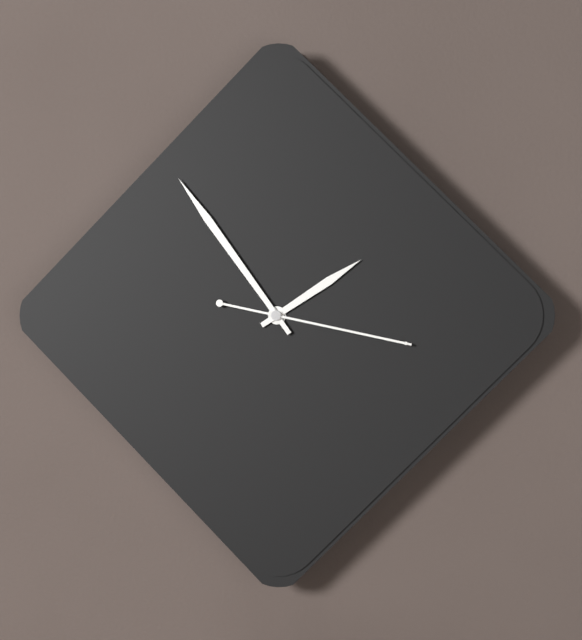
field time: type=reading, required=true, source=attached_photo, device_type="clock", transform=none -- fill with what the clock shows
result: 1:54:17
